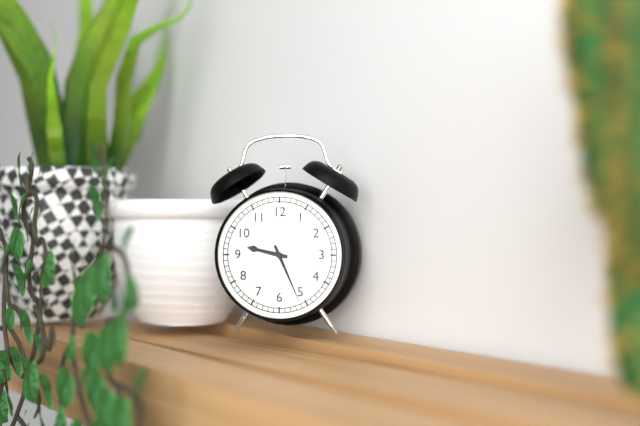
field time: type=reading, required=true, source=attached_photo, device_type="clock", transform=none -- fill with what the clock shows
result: 9:26
